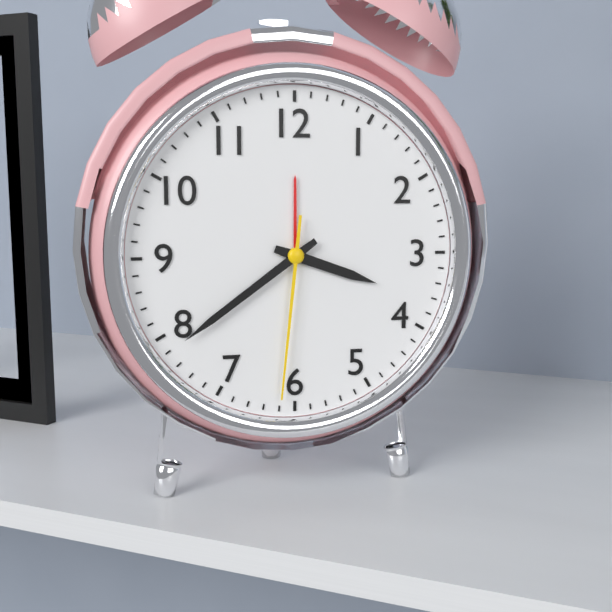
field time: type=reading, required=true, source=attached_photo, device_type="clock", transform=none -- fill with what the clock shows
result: 3:39:31
